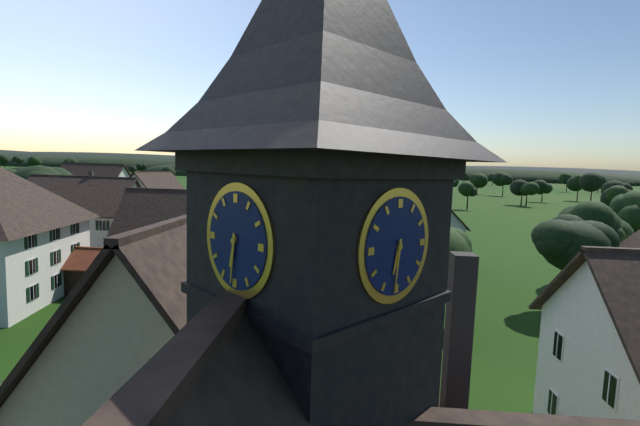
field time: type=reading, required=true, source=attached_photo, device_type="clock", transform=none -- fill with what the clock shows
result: 6:31
